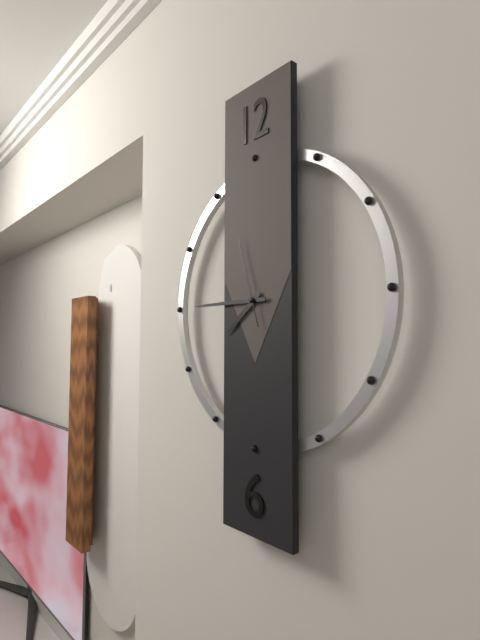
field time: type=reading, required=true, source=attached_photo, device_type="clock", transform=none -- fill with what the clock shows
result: 7:45:57
